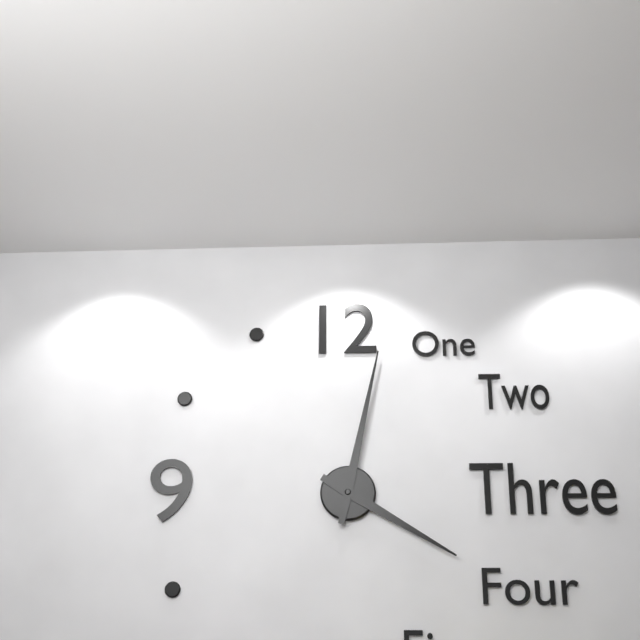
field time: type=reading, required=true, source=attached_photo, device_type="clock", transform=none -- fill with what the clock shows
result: 4:02
